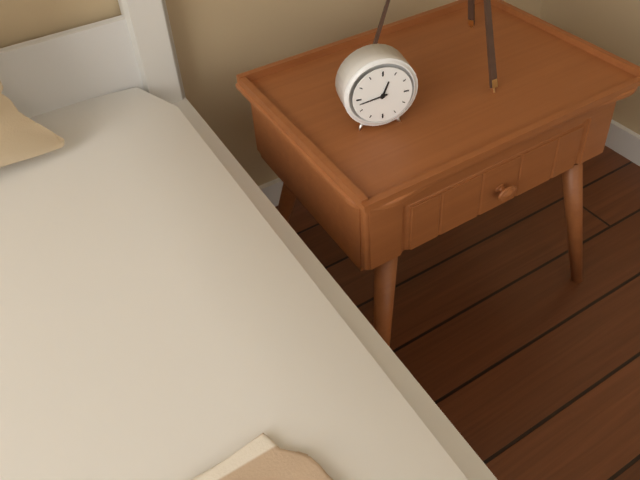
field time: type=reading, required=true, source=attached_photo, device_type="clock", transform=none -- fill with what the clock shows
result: 12:43
